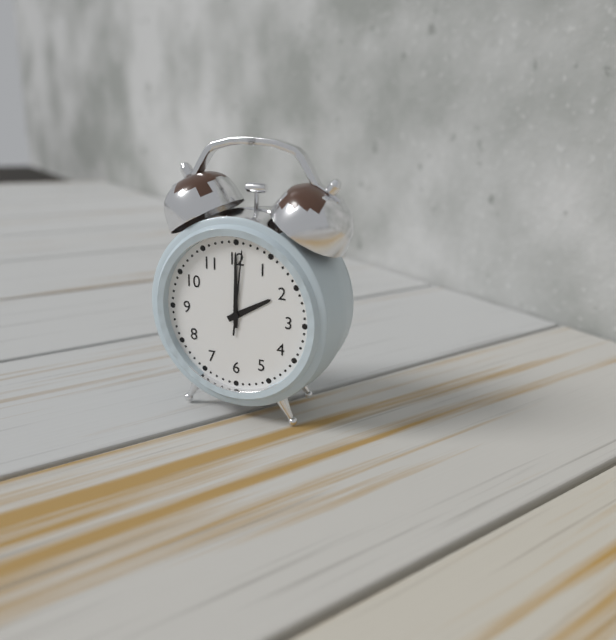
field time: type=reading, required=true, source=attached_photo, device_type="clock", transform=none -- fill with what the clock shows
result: 2:00:01
